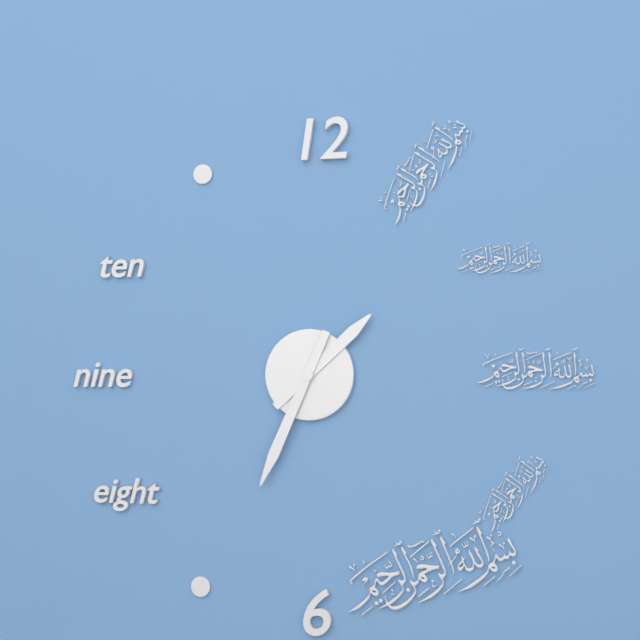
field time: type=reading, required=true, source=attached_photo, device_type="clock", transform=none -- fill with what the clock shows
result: 1:34
